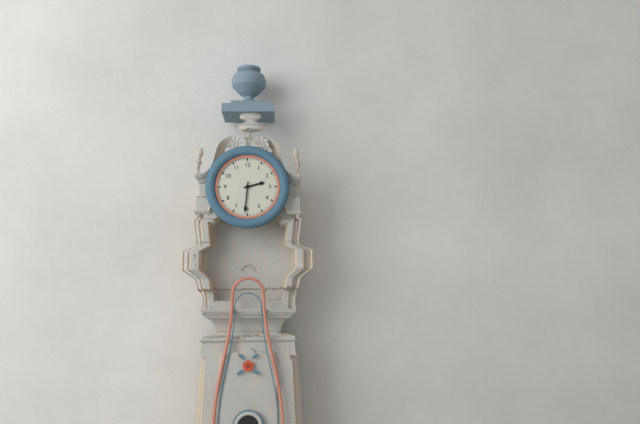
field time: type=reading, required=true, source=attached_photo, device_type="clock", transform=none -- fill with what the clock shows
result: 2:31
